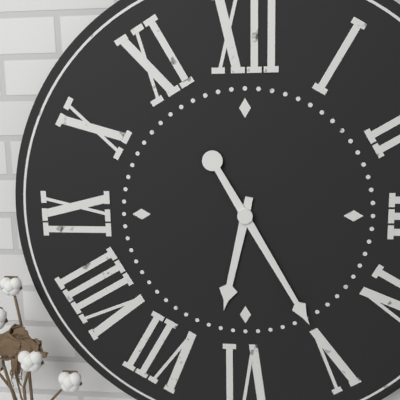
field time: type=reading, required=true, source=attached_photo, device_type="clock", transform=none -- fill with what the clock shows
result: 6:25
